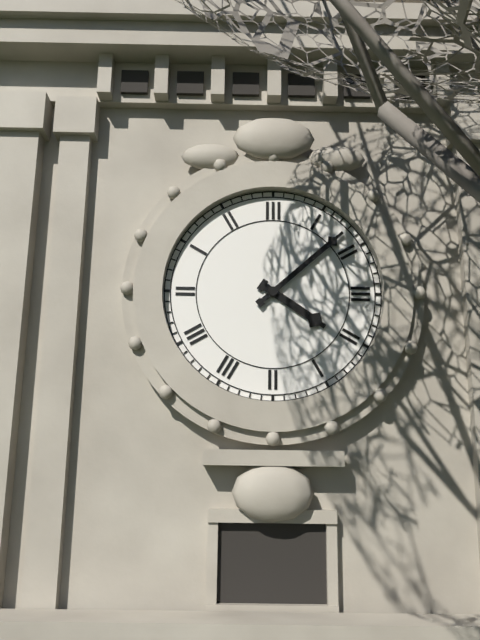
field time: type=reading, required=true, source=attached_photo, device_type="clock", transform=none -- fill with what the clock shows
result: 4:08
